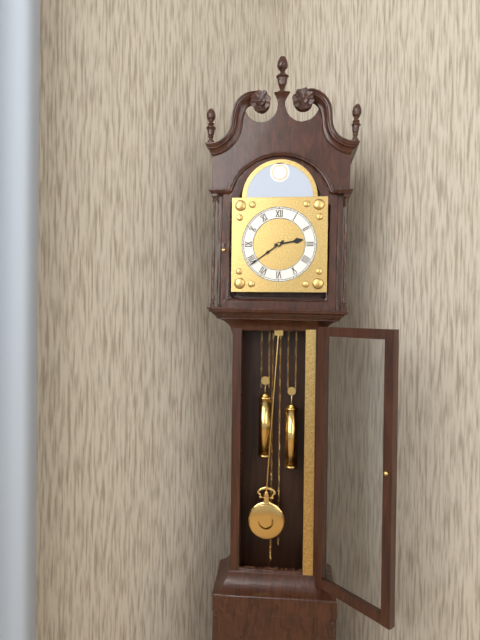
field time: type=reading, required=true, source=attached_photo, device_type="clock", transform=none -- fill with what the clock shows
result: 2:39
